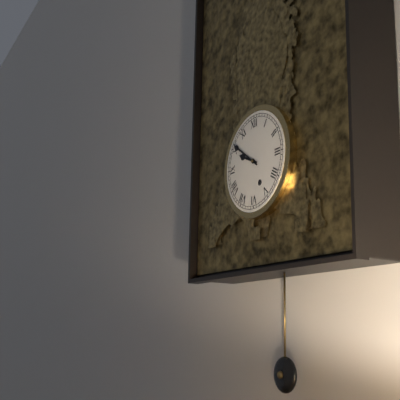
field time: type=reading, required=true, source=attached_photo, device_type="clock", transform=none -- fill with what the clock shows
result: 9:51
